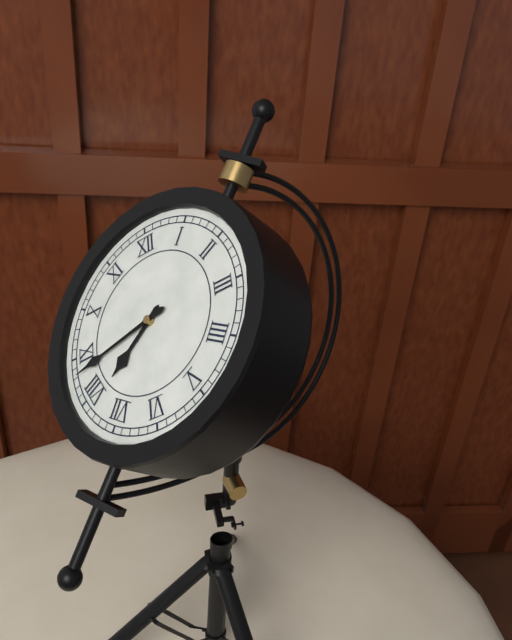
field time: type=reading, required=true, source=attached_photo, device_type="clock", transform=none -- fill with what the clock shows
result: 7:43
